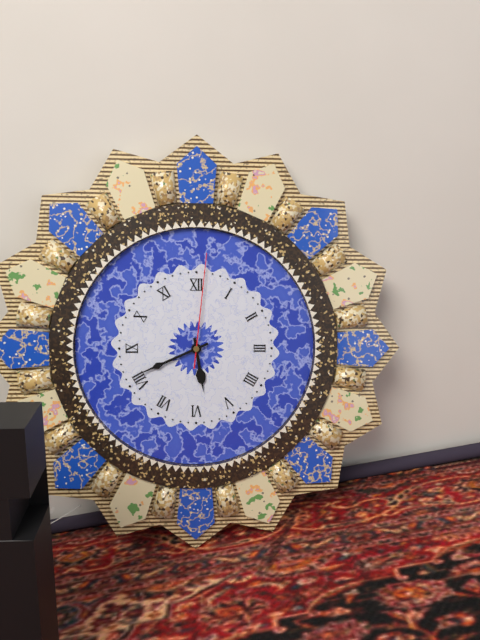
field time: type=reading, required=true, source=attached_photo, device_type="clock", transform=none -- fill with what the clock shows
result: 5:41:01
